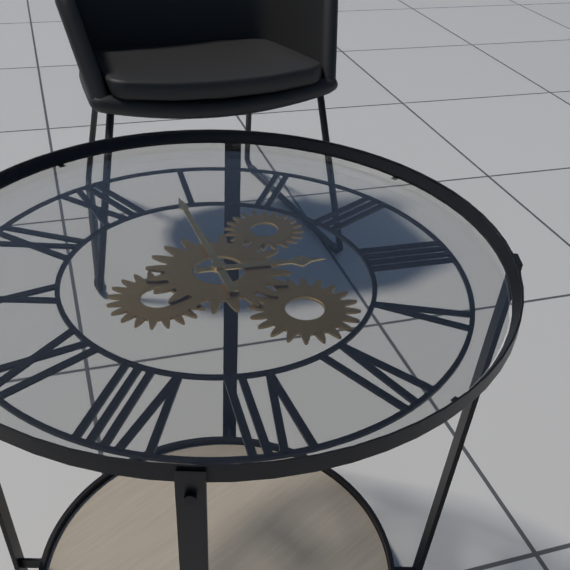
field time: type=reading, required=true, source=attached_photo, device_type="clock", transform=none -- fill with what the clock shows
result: 4:04
